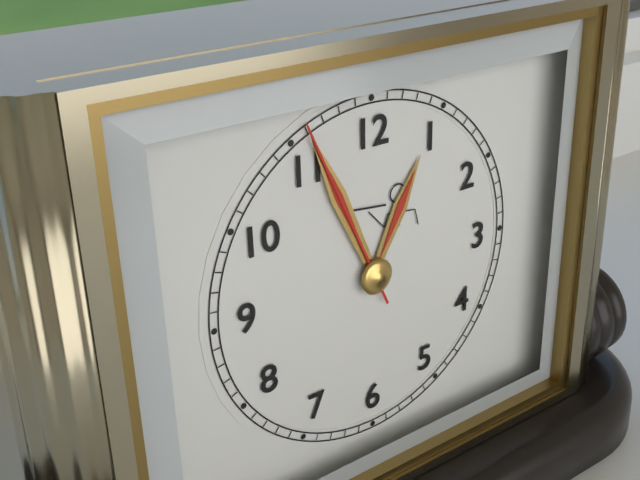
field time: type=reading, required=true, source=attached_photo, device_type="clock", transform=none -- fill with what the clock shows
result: 12:56:56
